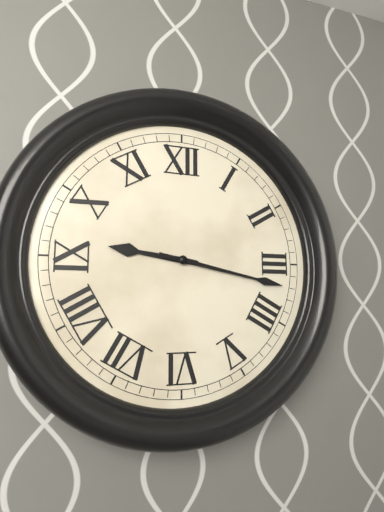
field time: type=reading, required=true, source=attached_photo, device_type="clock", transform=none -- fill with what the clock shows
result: 9:17
